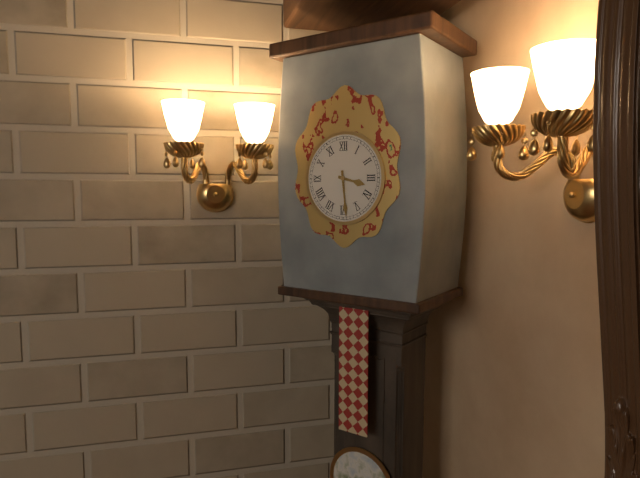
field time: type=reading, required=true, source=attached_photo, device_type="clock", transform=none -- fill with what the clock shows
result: 3:29
